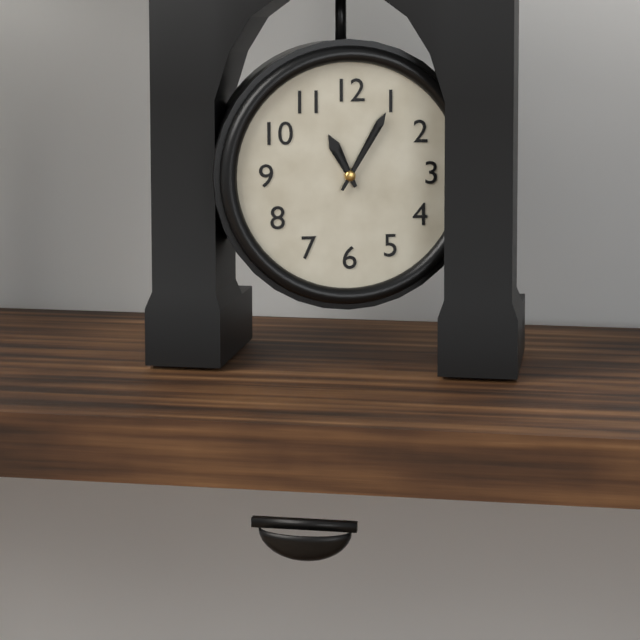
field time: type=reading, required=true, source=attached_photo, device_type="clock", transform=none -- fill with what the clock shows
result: 11:05
